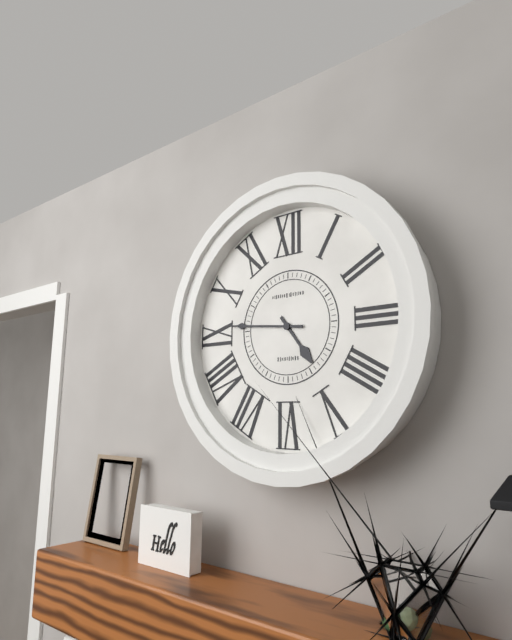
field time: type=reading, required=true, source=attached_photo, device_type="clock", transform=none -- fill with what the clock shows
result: 4:46
